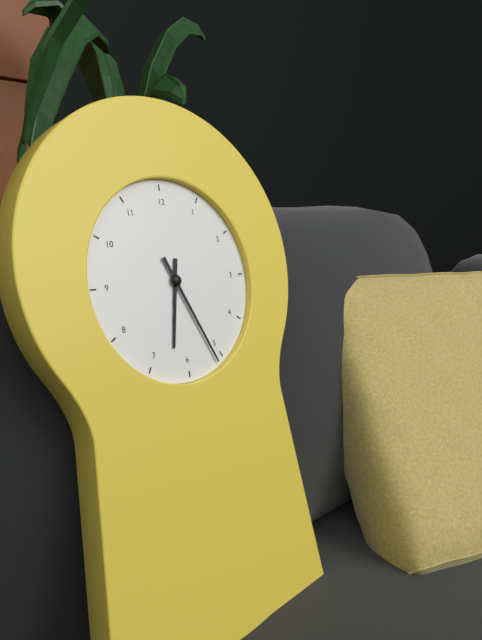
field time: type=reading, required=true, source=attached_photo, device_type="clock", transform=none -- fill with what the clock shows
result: 6:26
